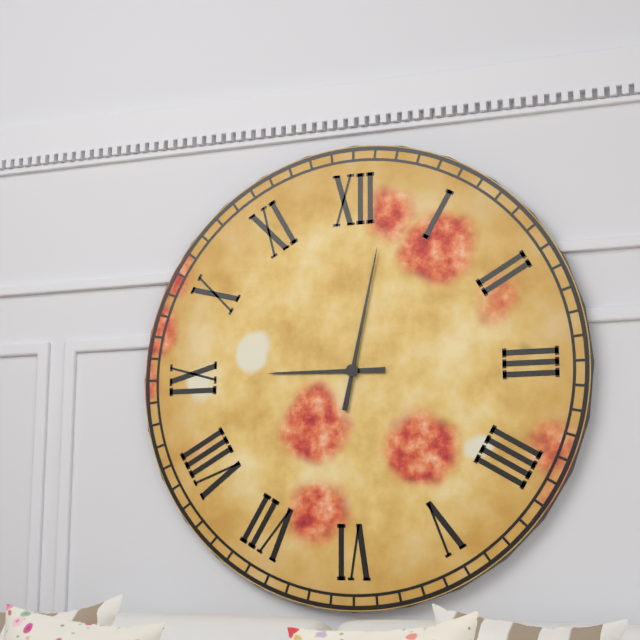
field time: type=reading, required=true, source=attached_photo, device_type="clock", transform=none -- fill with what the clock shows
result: 9:02
